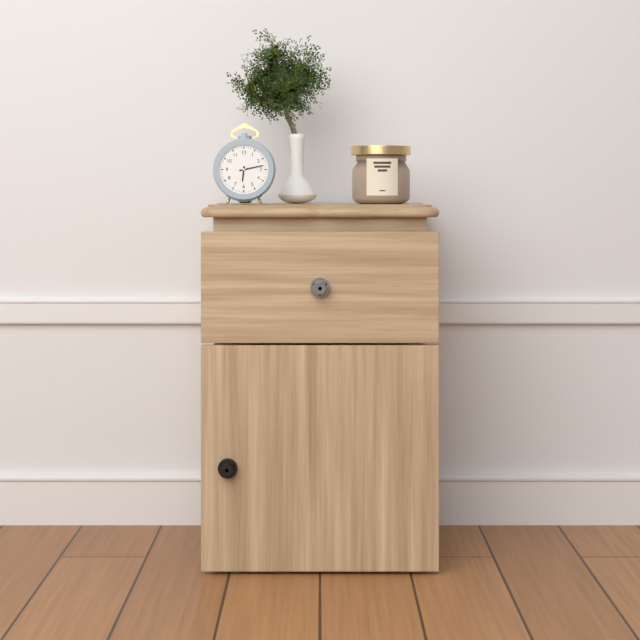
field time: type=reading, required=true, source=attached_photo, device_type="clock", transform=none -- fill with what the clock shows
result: 6:13
